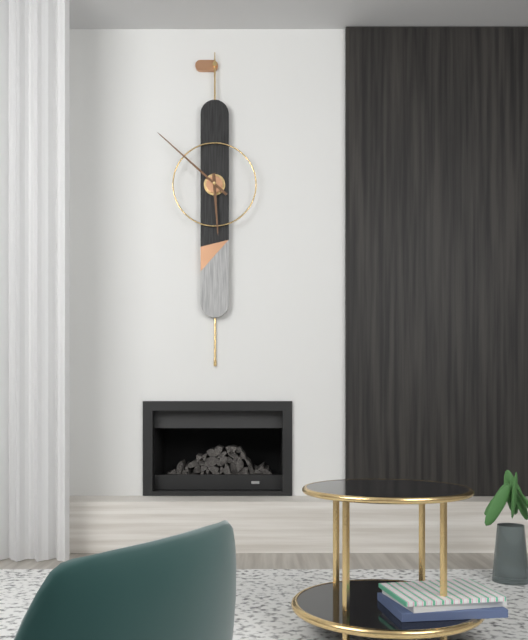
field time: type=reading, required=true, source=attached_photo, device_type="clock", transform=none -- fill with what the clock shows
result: 5:52
